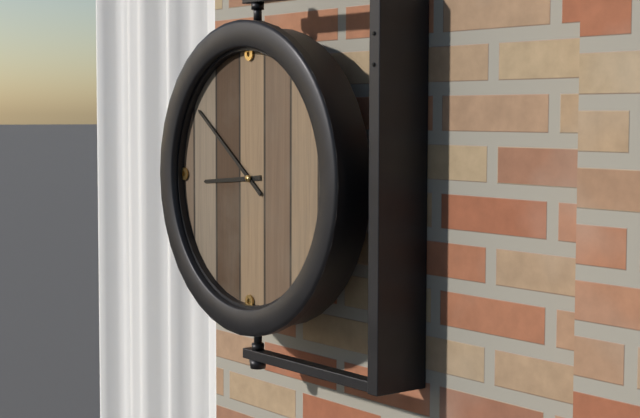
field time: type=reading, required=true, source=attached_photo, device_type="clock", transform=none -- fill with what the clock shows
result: 8:51
